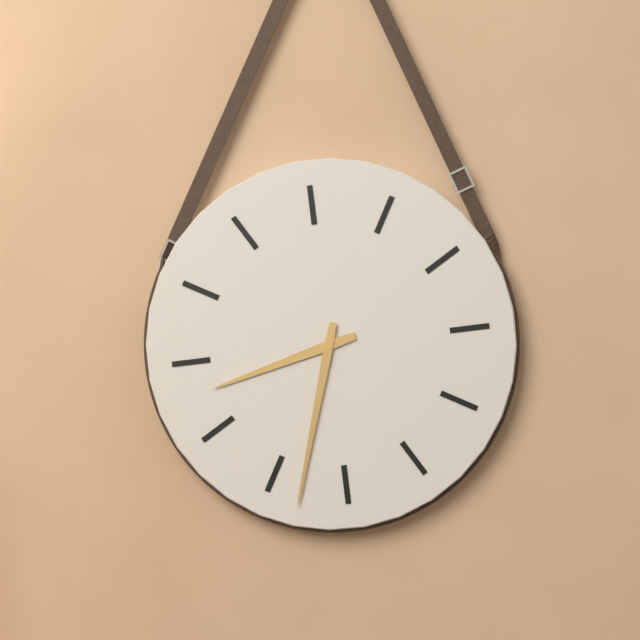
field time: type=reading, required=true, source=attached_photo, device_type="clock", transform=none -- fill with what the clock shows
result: 8:33
